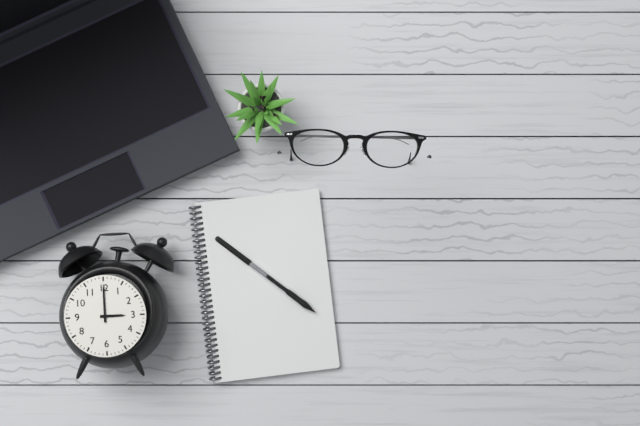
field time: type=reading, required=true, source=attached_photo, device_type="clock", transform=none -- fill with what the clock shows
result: 3:00
